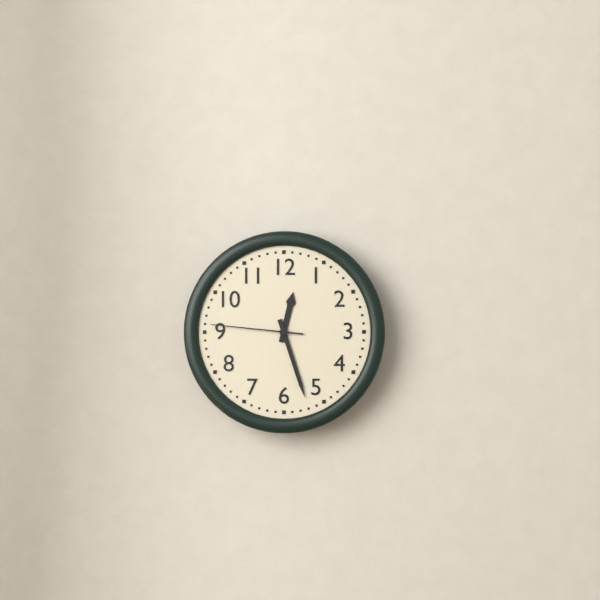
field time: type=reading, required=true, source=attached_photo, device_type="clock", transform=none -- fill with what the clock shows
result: 12:27:46
